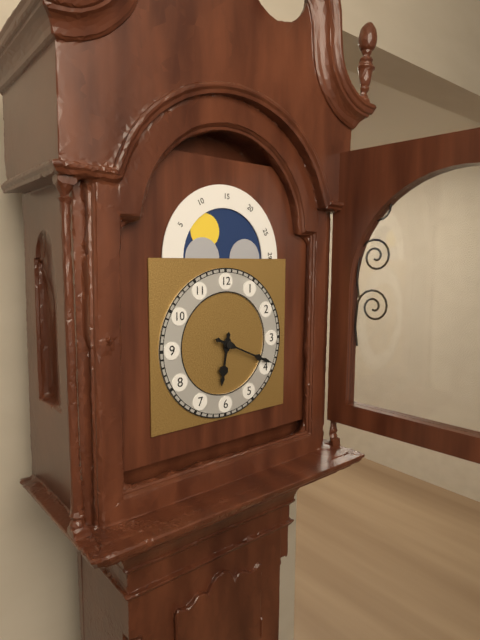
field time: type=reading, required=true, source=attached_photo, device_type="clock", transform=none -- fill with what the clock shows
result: 6:19
